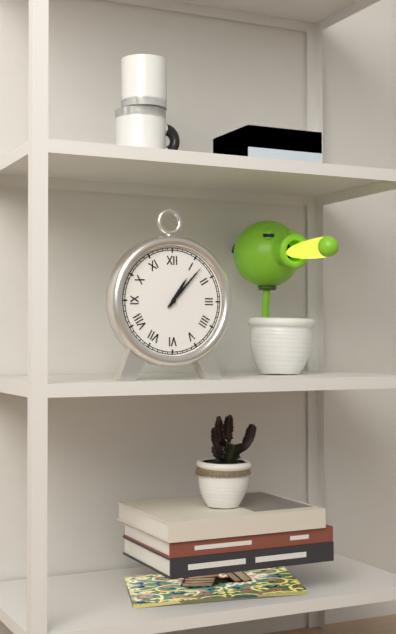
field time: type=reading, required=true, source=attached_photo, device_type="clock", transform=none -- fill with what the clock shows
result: 1:07
